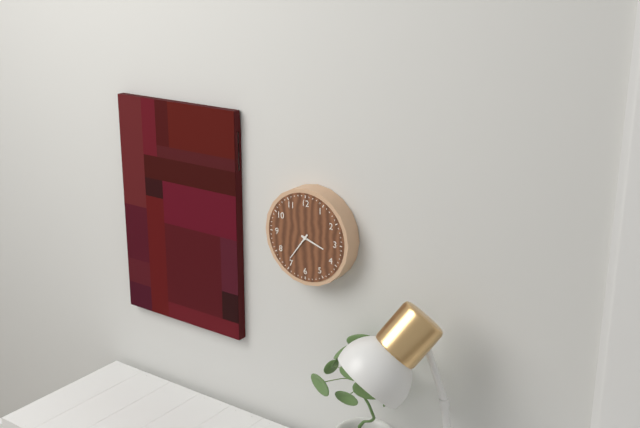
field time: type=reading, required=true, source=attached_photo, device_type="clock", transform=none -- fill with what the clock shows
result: 3:36
